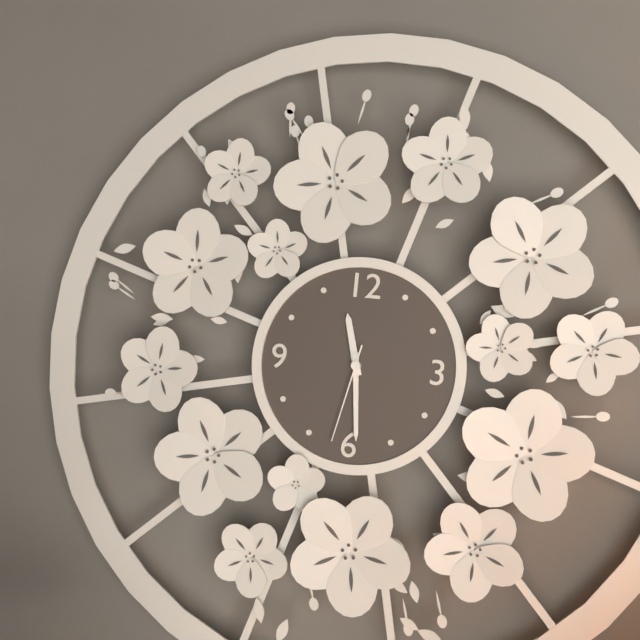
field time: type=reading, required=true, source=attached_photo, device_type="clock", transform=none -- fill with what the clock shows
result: 11:29:32
